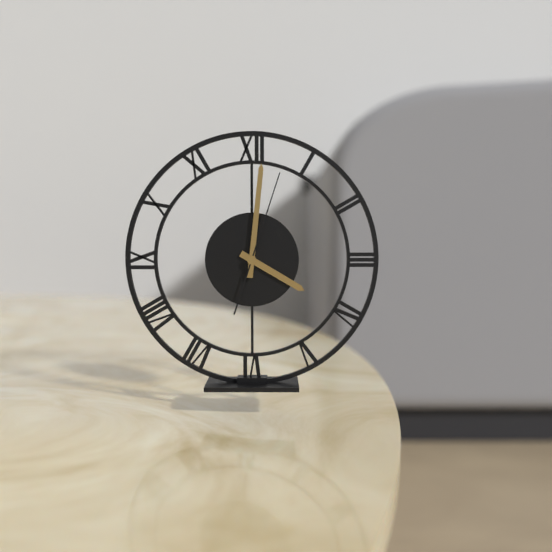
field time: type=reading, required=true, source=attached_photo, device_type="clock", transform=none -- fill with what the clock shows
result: 4:01:03
